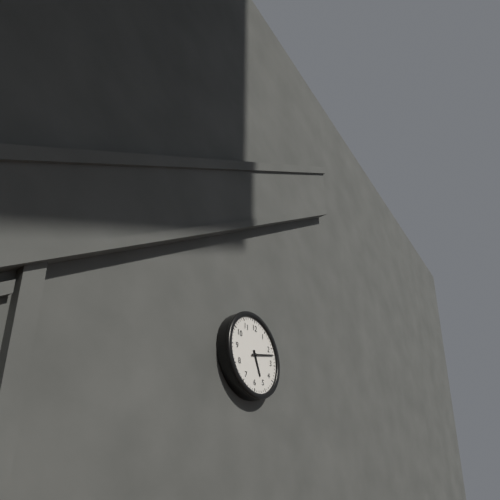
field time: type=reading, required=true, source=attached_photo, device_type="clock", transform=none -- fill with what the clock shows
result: 5:12
